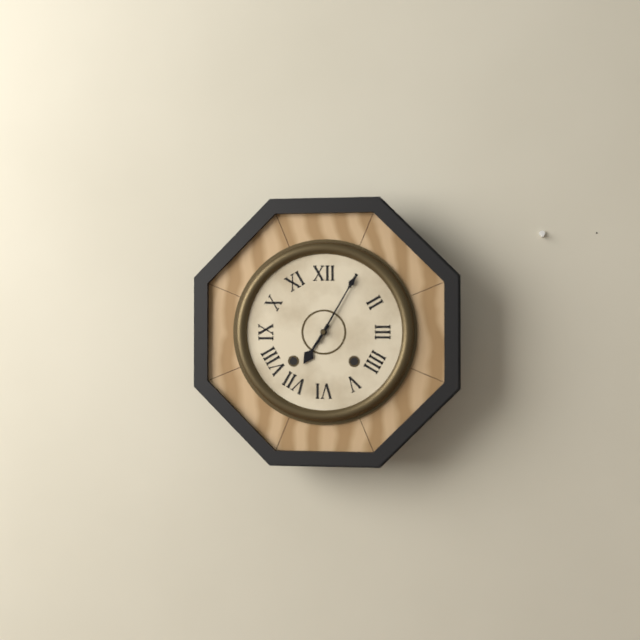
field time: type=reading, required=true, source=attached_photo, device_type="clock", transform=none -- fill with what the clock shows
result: 7:05
